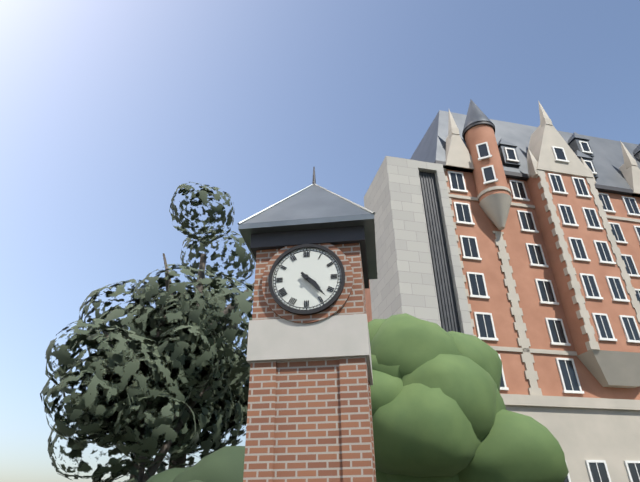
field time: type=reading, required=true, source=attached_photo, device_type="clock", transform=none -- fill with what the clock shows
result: 4:23
